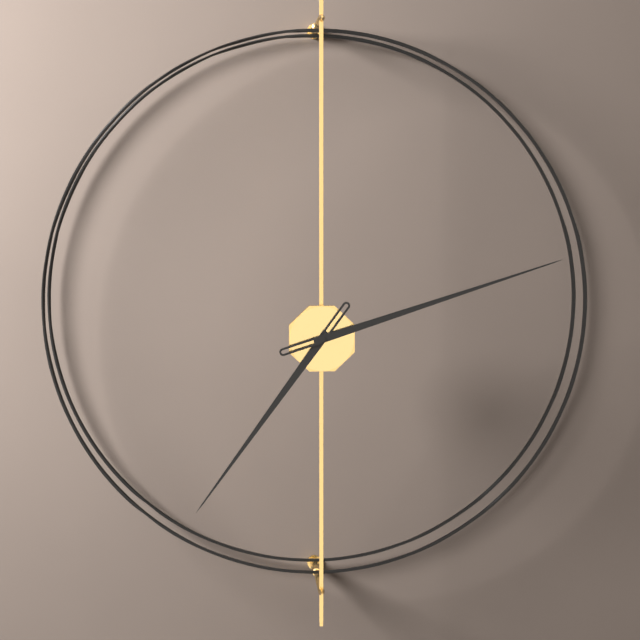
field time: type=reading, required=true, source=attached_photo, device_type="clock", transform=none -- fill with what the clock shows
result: 7:12
